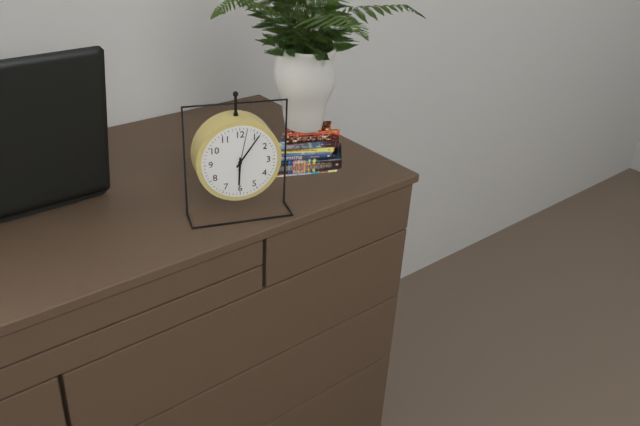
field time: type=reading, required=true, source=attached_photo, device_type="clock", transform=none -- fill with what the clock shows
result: 6:06
